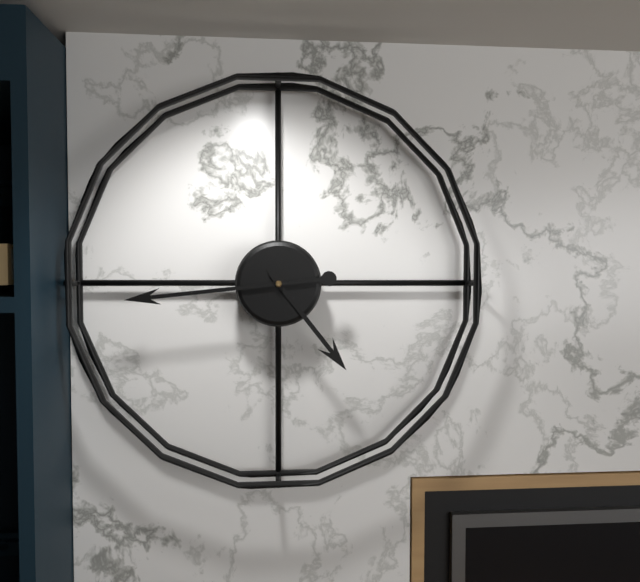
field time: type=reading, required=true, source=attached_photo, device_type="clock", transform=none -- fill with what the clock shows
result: 4:44
